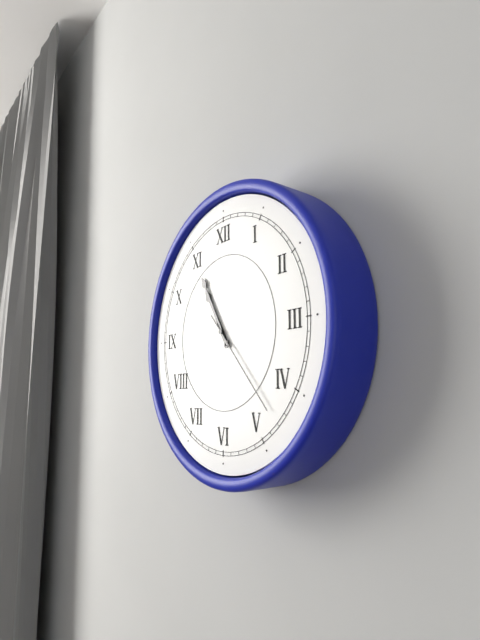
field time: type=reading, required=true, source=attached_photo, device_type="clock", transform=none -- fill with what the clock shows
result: 10:55:23
